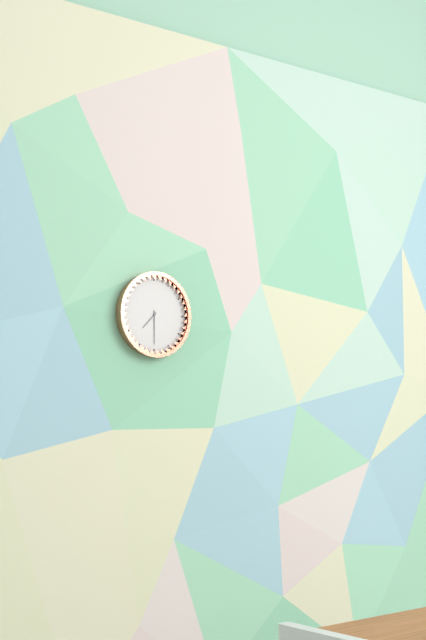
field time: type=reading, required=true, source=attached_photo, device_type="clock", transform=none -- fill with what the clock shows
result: 7:30
